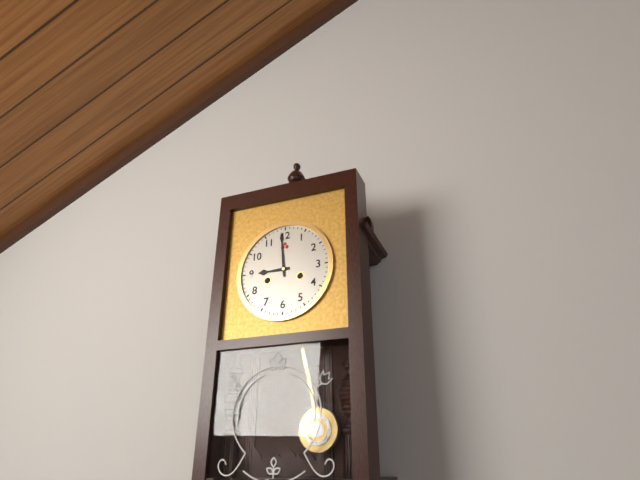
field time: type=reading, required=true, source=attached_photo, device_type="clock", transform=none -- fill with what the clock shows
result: 8:59
